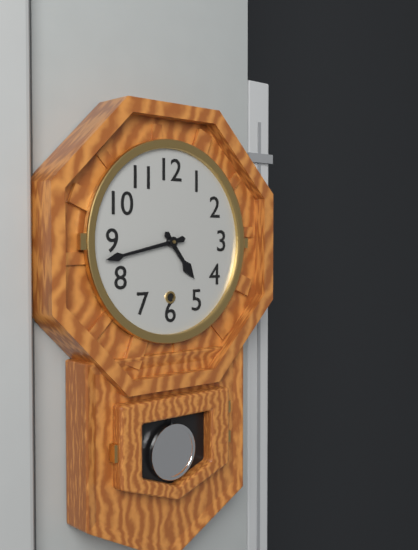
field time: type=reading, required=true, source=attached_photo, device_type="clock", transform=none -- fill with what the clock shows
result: 4:43
